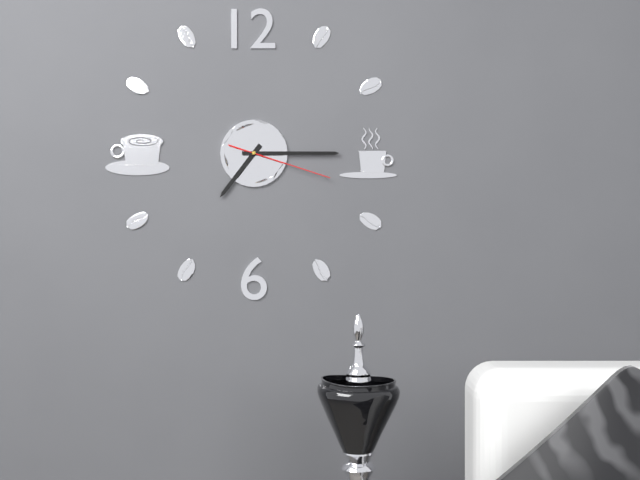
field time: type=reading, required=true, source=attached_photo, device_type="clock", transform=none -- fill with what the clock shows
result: 7:15:18
